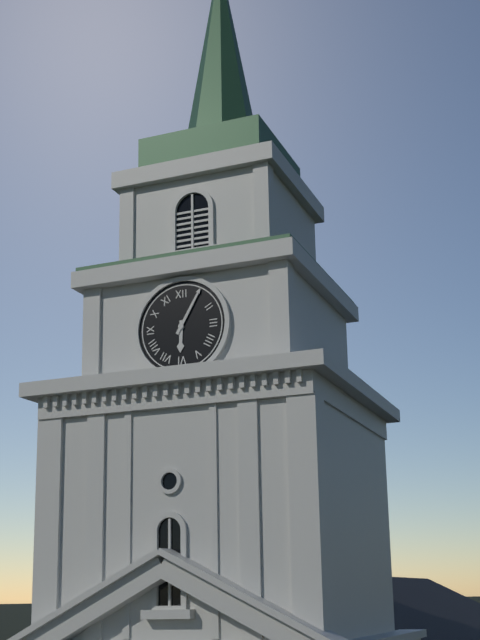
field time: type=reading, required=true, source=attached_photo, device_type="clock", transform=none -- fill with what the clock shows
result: 6:05
